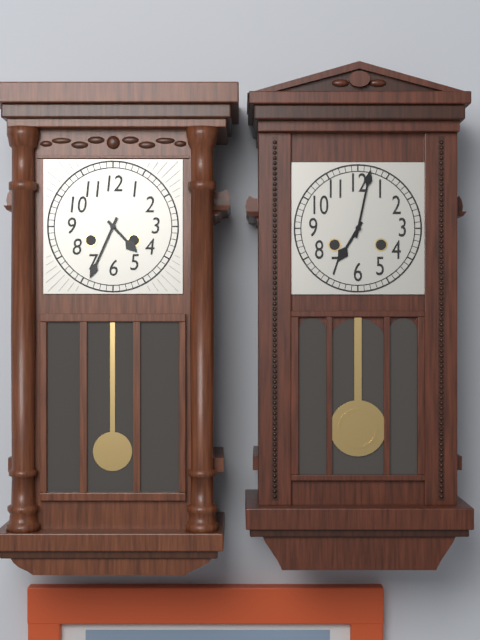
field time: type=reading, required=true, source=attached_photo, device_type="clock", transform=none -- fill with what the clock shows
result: 4:34
